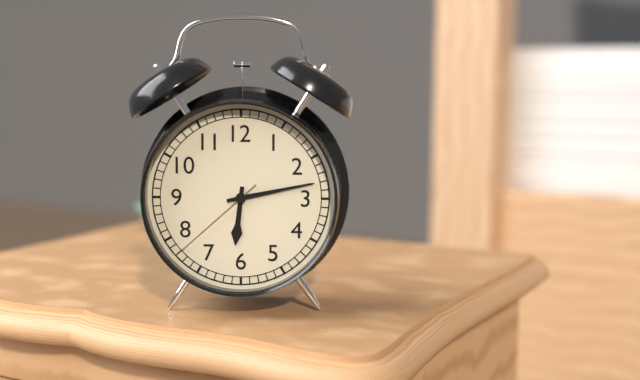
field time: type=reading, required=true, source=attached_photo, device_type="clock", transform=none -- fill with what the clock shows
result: 6:13:38
